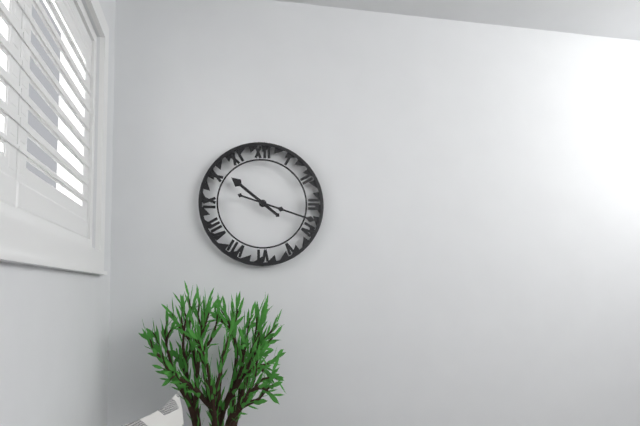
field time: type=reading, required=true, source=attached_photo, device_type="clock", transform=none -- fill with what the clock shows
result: 10:18
